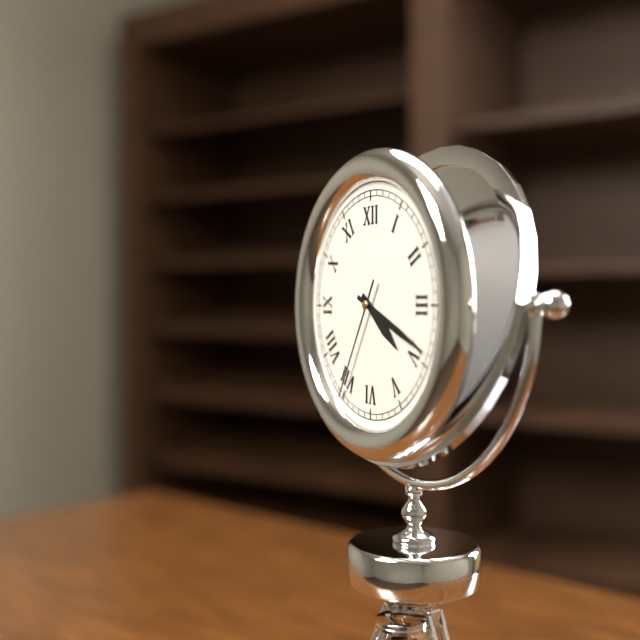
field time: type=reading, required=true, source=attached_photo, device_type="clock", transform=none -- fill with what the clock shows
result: 4:19:35
